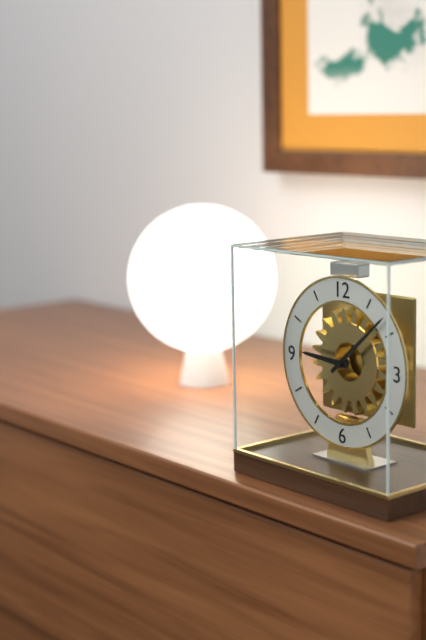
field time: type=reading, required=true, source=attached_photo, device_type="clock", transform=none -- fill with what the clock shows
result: 9:08
